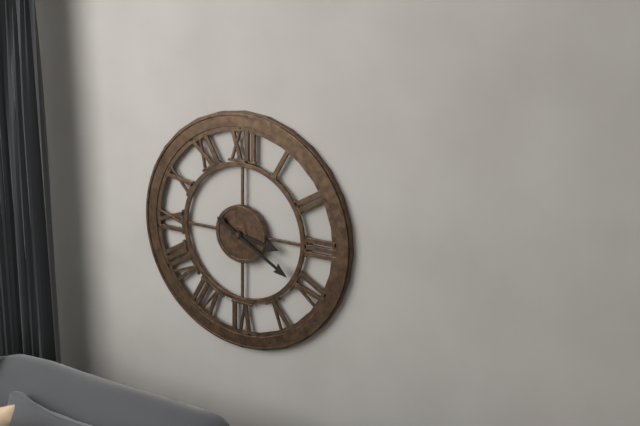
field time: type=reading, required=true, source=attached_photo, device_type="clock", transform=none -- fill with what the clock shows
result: 3:20
